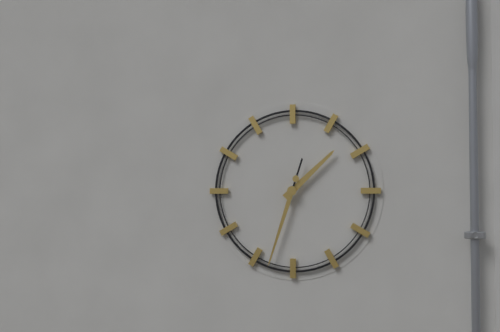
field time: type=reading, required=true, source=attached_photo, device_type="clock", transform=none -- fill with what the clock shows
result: 1:33
